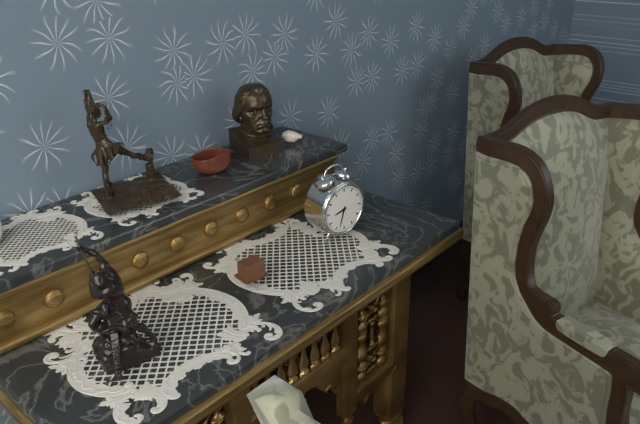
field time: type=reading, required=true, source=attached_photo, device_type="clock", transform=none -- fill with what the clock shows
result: 8:33
